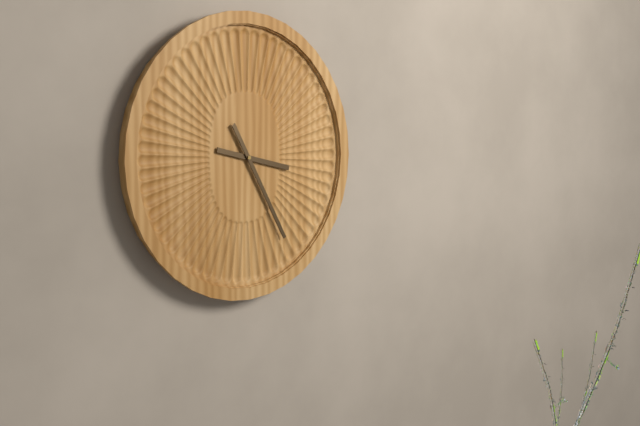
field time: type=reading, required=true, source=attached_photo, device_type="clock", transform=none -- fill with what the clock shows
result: 3:25
